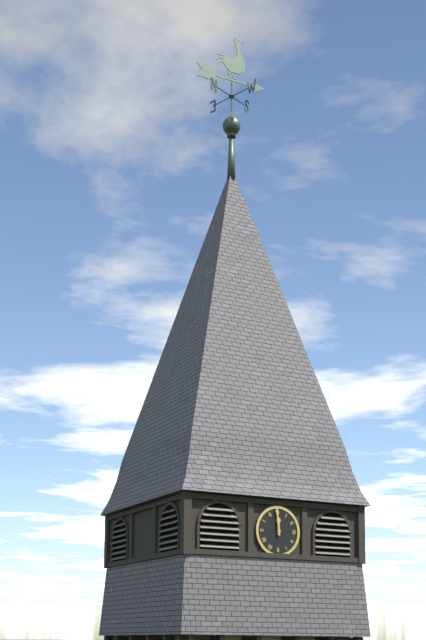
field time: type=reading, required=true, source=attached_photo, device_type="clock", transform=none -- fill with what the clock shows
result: 11:59
